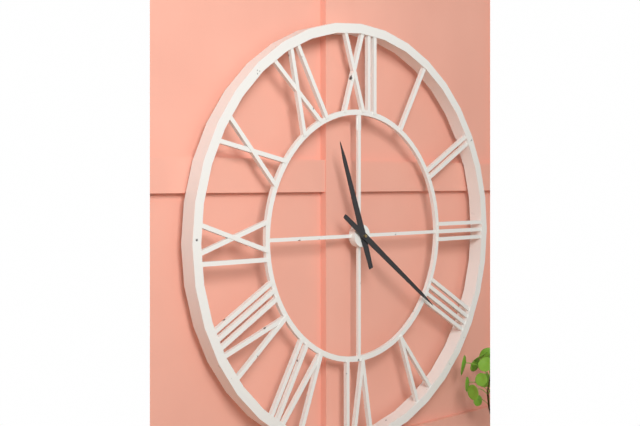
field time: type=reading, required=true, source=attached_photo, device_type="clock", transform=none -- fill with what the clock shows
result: 11:21
